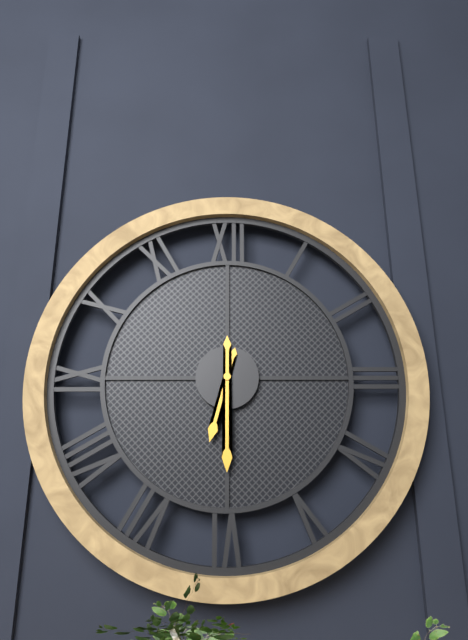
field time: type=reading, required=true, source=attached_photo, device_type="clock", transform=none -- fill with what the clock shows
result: 6:30
